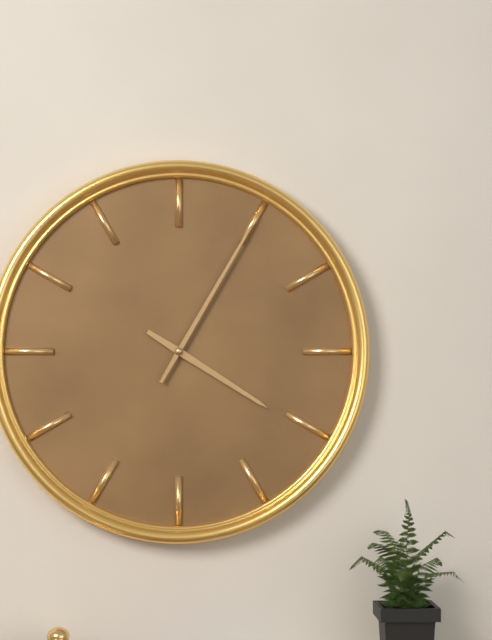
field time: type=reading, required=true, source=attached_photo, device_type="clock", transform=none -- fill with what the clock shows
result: 4:05
